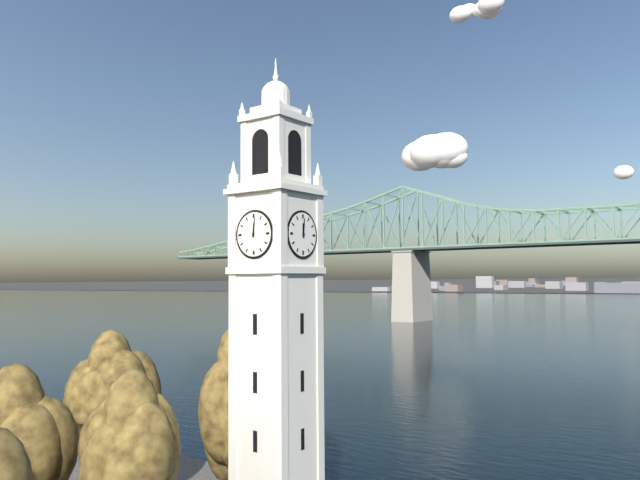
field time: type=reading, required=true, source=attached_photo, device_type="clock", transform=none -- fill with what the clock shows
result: 12:01
